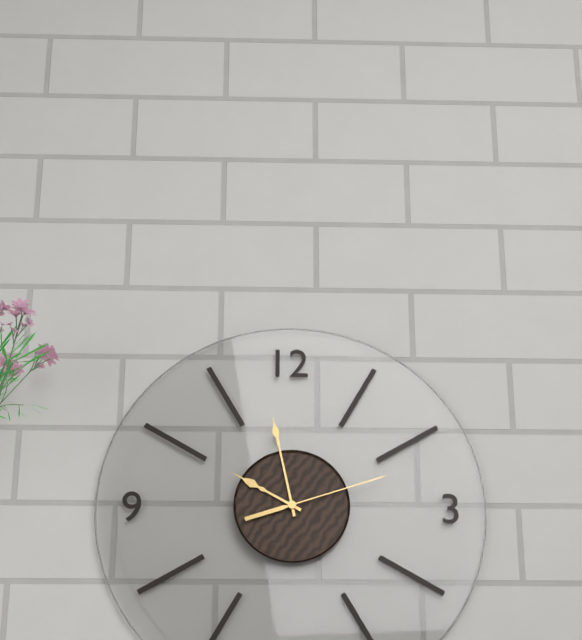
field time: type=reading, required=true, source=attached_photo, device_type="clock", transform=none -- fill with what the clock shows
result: 9:58:12
